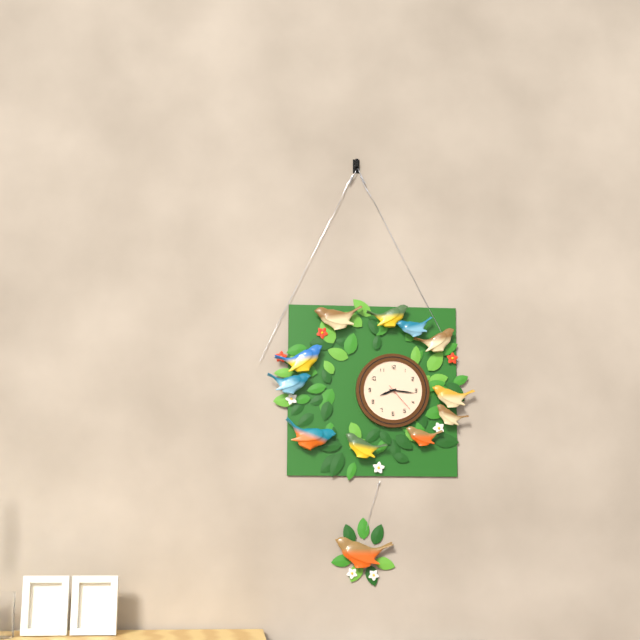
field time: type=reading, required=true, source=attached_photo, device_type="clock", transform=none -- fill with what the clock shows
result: 8:16
